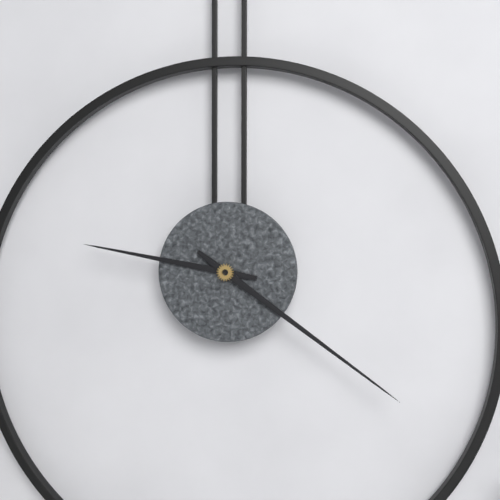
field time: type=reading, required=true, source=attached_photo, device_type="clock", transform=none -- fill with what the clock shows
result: 9:21
